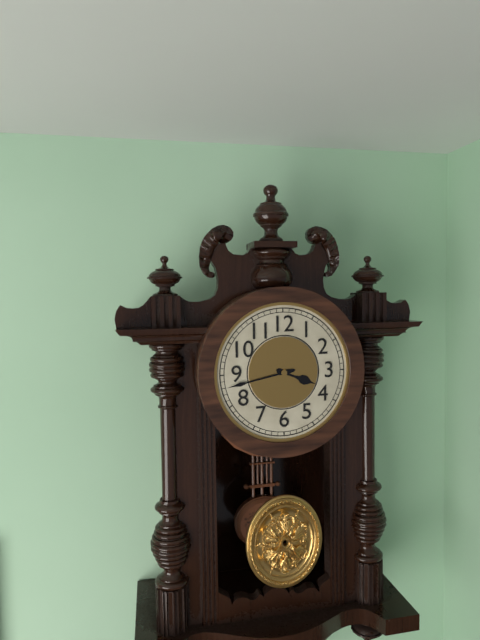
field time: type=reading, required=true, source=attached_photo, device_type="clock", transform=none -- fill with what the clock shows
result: 3:43
